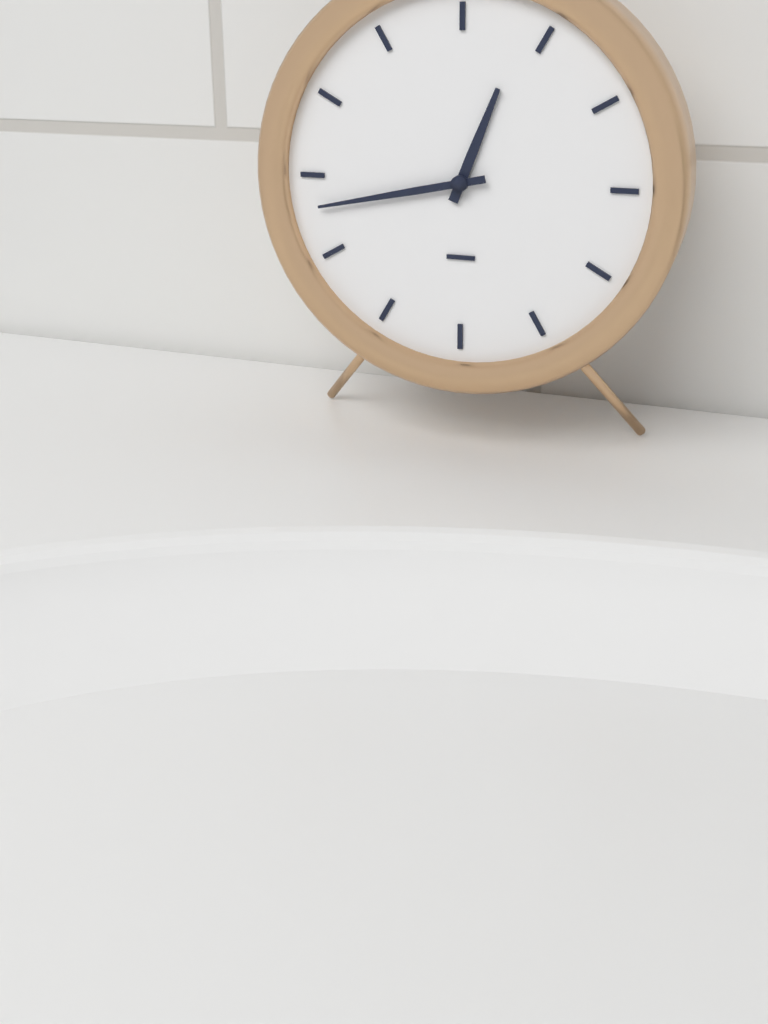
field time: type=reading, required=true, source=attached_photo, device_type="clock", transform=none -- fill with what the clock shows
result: 12:43
